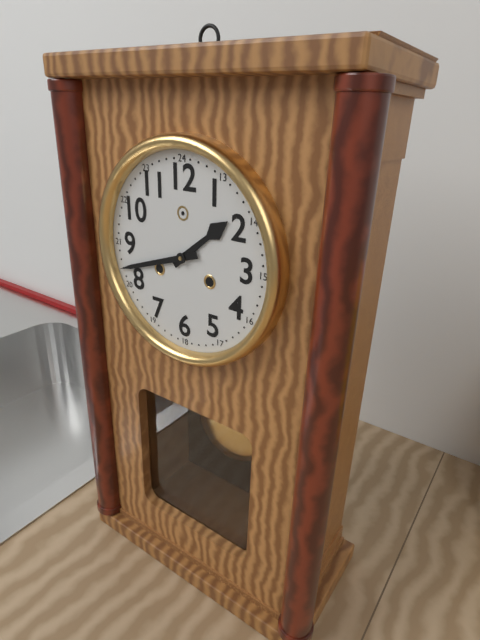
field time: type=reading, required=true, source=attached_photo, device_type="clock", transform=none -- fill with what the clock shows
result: 1:42
